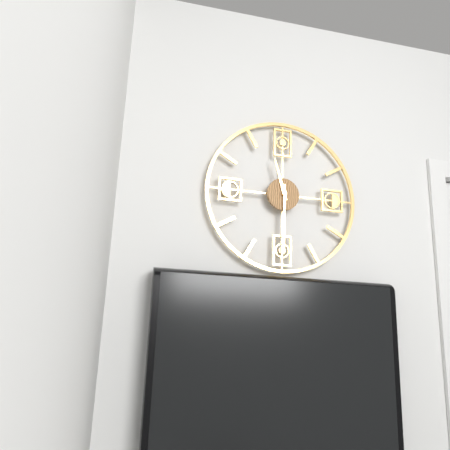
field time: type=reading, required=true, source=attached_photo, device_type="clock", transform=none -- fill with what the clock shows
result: 11:30
